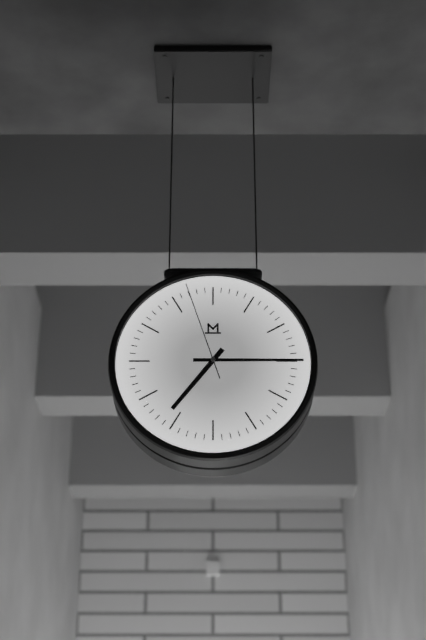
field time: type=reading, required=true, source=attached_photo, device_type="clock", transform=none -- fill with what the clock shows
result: 7:15:57
